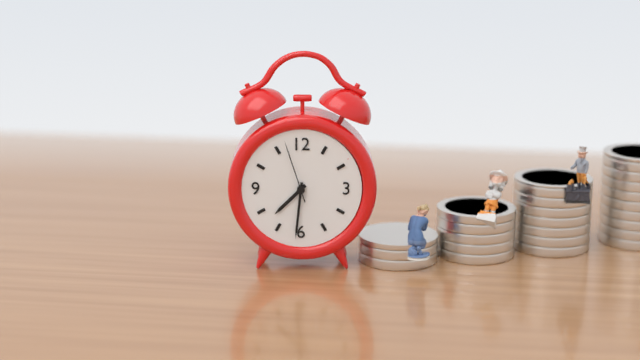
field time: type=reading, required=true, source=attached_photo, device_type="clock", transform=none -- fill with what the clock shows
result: 7:31:57
